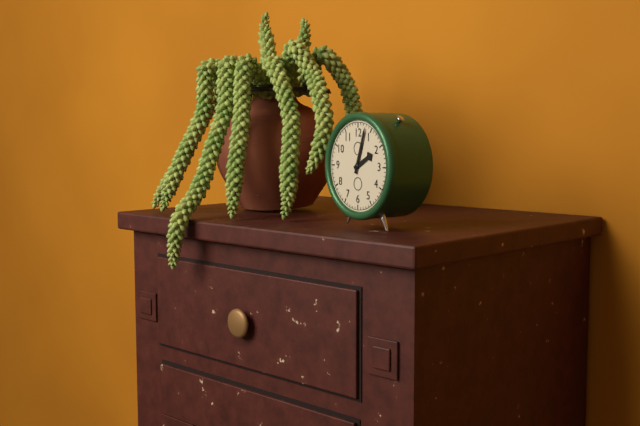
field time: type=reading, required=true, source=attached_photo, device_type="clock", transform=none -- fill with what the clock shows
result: 2:03
